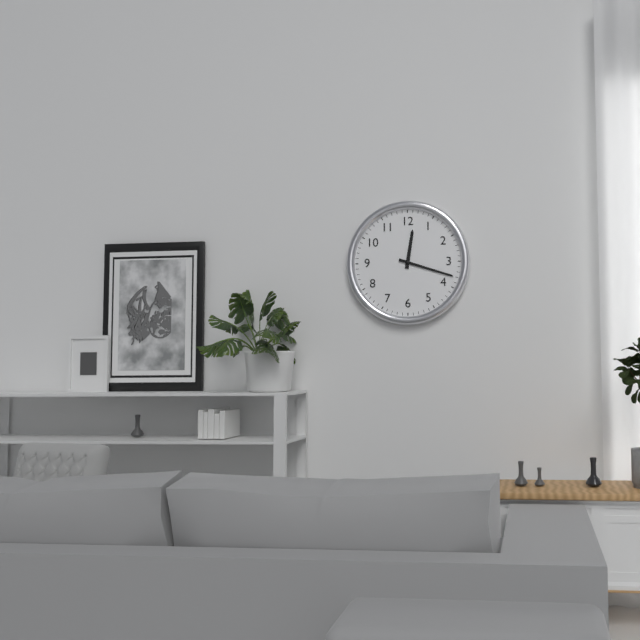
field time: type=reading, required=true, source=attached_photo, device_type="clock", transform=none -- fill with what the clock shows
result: 12:18
